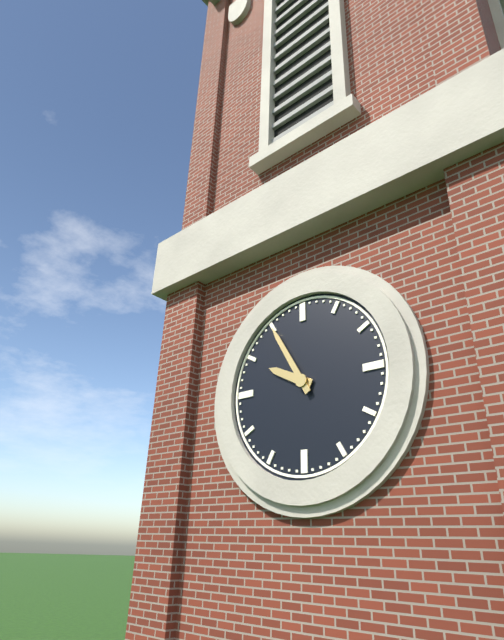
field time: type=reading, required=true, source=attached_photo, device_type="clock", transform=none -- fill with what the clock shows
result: 9:55
